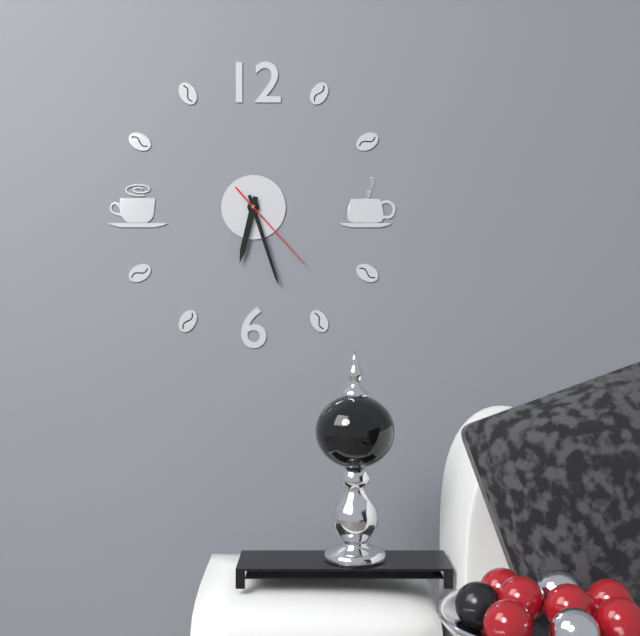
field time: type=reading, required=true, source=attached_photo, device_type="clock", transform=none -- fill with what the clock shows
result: 6:27:23
